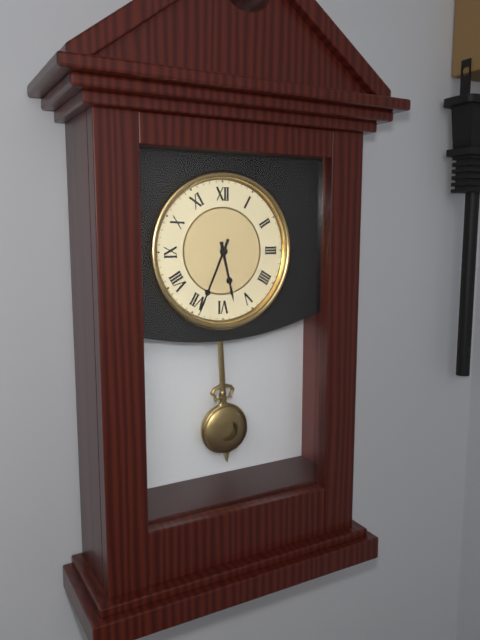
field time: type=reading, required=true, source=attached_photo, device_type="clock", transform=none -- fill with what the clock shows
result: 5:34
